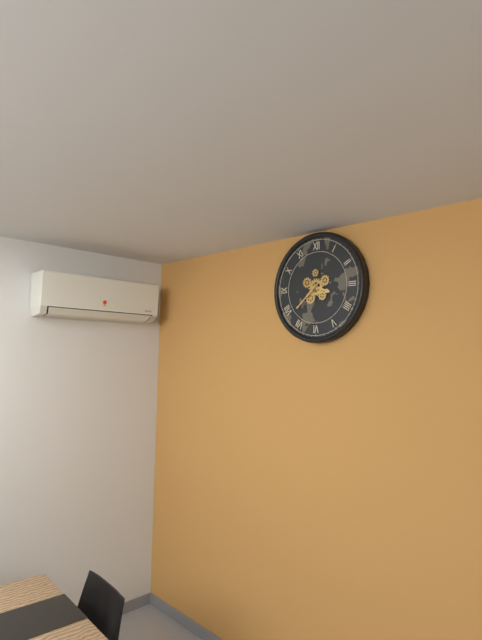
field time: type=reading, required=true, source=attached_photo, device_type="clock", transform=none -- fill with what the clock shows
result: 3:38
